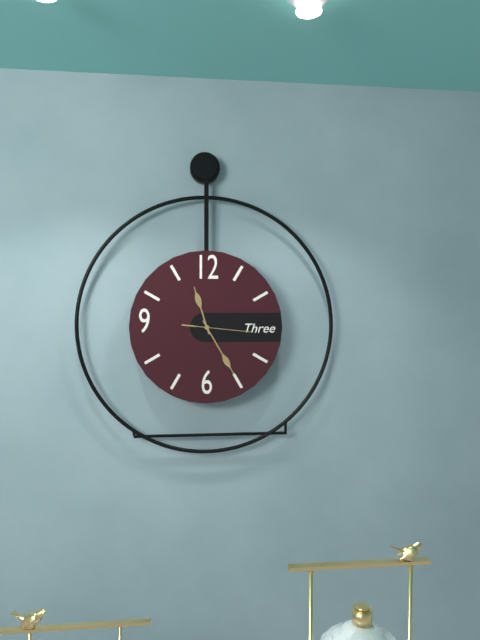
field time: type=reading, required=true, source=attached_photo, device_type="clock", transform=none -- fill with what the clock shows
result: 11:25:16
